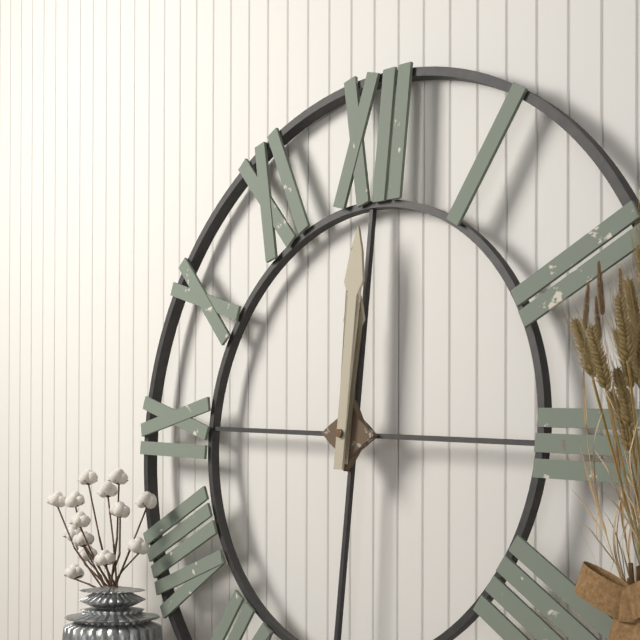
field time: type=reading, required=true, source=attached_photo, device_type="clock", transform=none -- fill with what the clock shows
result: 12:00
